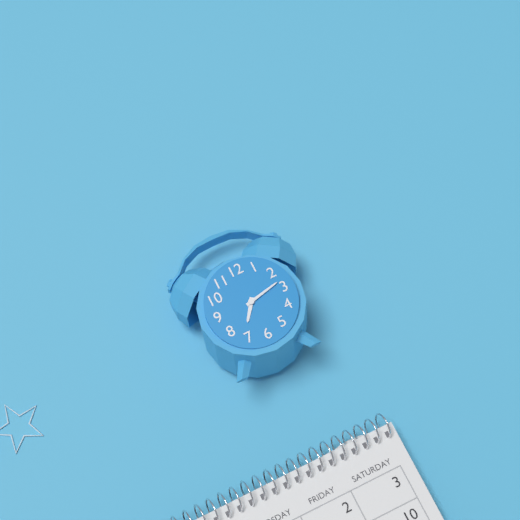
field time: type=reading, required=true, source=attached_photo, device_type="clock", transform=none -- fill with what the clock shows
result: 7:13
